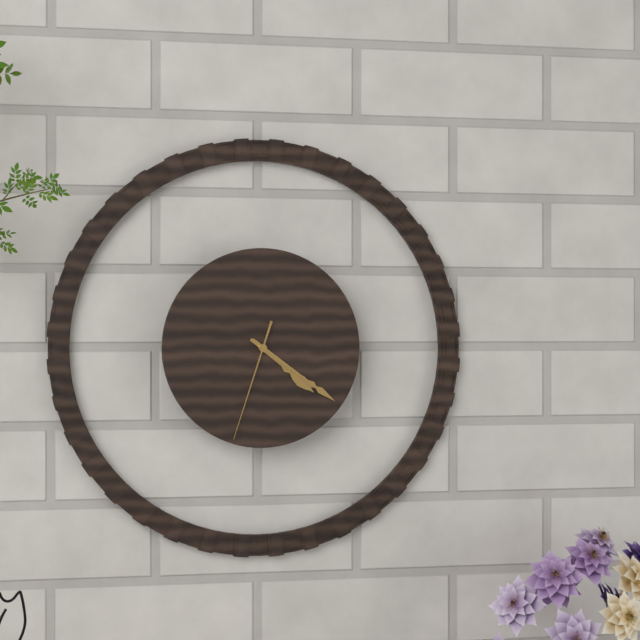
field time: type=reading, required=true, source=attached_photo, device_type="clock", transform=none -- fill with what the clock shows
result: 4:21:33
